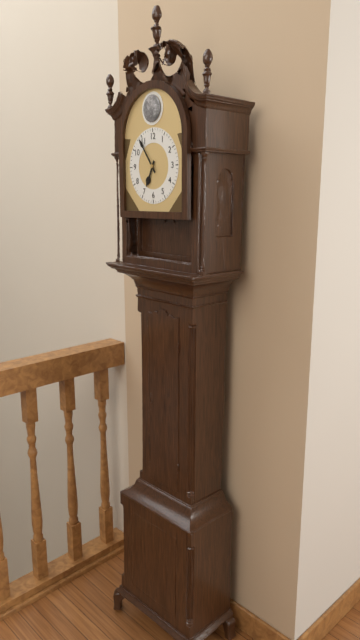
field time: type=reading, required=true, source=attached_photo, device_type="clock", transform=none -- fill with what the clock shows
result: 6:54
